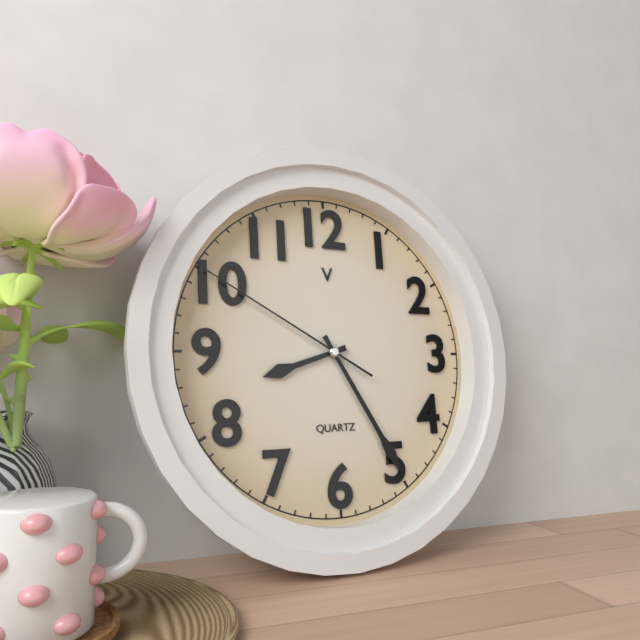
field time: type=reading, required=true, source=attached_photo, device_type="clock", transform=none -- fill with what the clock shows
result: 8:25:50
